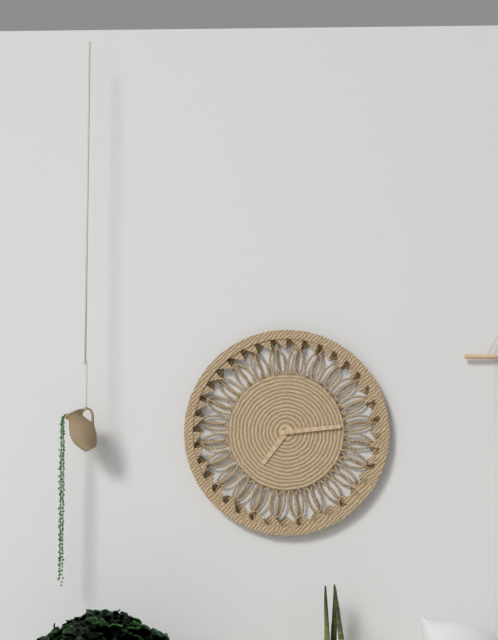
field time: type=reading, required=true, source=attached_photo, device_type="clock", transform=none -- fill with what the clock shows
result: 7:14
